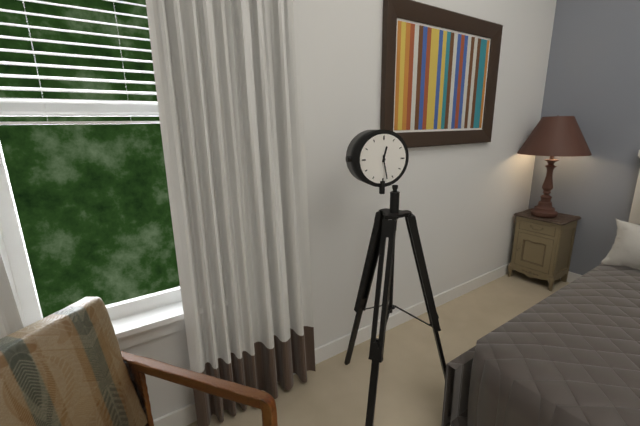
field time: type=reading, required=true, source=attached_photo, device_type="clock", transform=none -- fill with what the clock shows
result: 12:28
